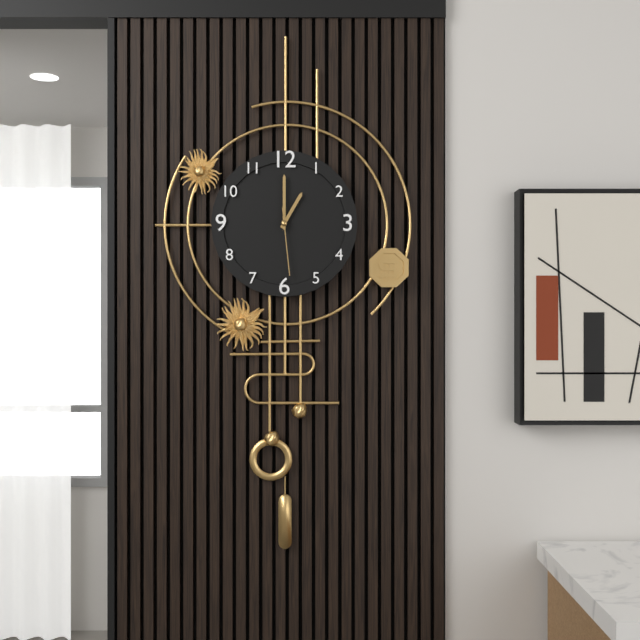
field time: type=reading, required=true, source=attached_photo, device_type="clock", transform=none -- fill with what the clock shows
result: 1:00:29
